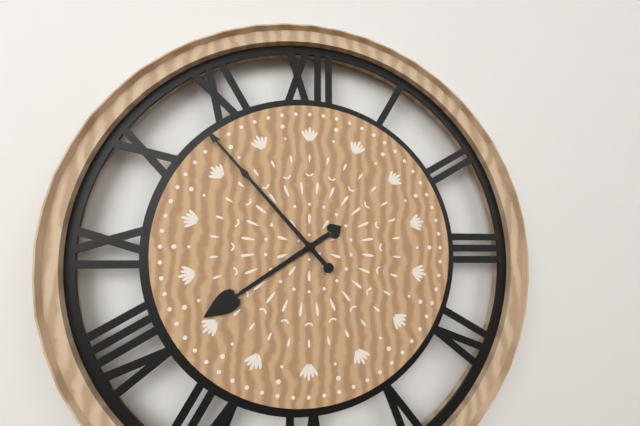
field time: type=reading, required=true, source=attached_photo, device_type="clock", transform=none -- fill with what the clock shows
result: 7:53
